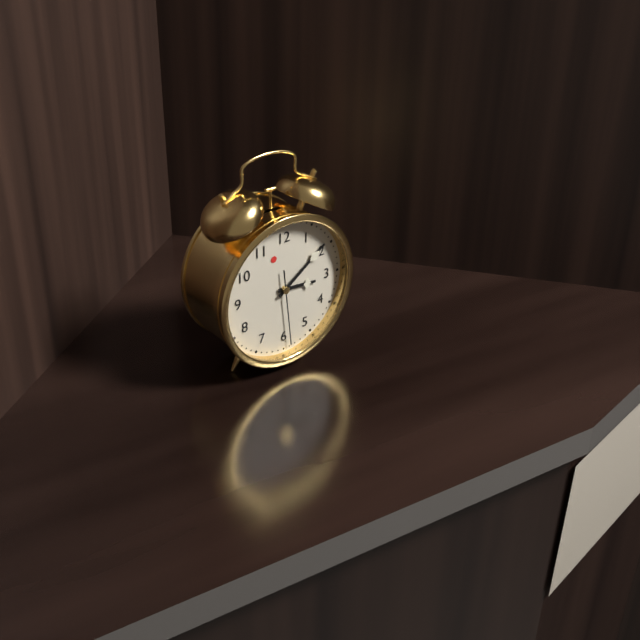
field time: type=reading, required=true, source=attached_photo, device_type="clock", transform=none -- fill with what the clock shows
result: 3:09:29
